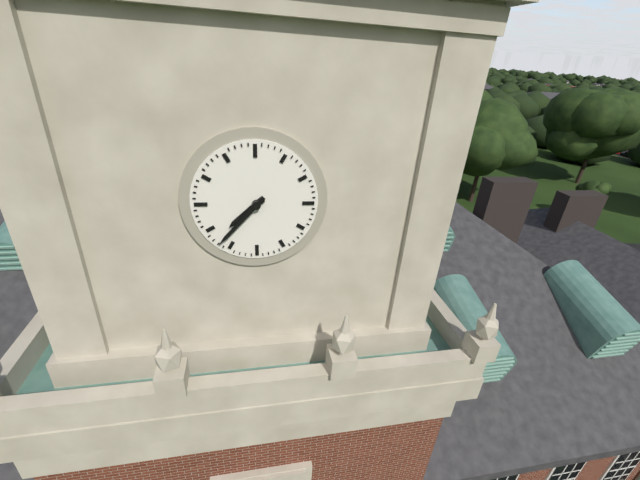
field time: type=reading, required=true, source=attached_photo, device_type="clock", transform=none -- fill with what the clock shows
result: 7:37
